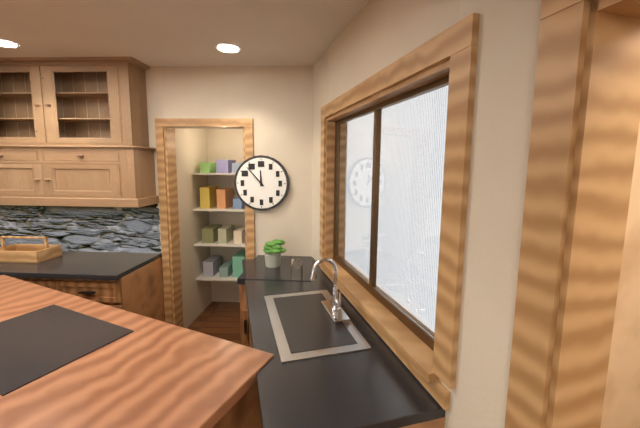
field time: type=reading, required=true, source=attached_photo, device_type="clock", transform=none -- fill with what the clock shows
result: 11:53
